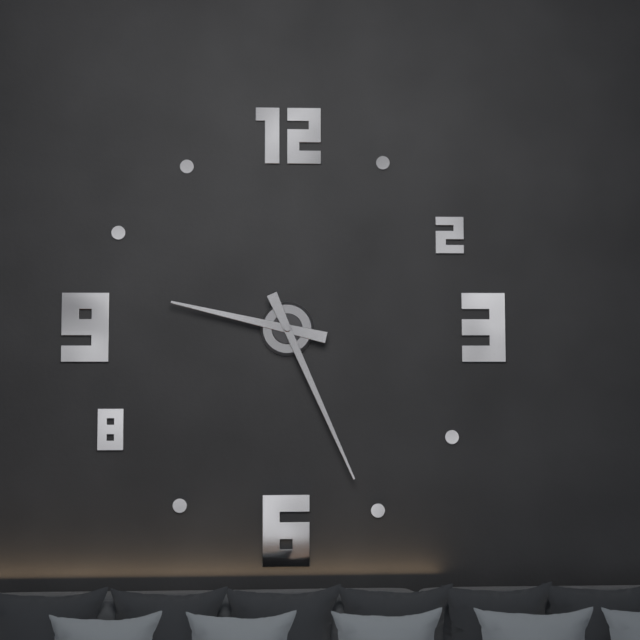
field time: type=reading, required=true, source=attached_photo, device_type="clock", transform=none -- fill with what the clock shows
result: 9:26
